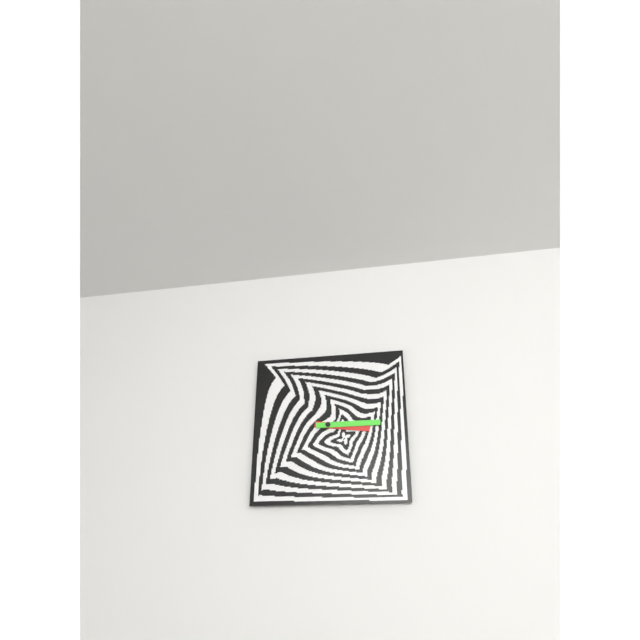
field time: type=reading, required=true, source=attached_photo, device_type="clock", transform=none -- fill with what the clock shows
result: 3:15
